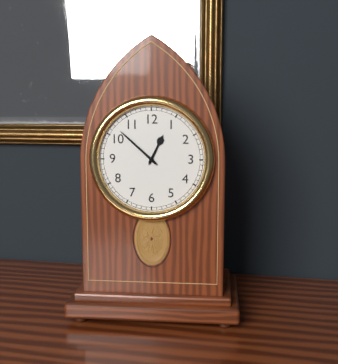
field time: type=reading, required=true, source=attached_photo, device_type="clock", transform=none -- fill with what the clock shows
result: 12:52
